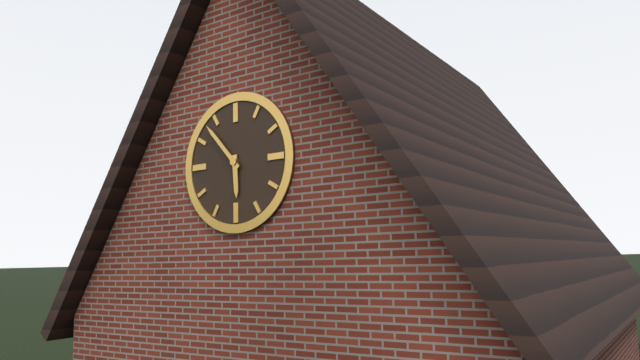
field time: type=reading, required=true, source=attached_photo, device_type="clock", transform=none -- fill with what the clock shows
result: 5:53
